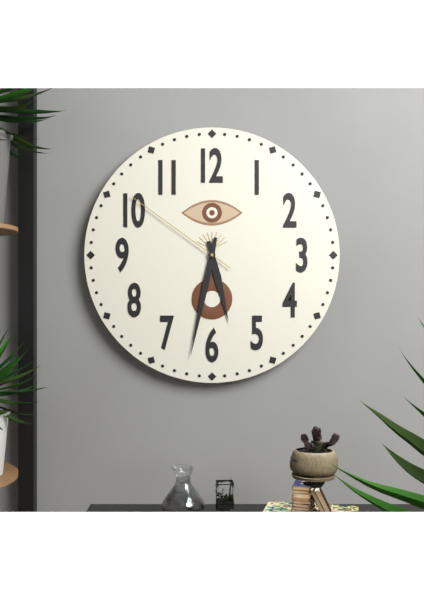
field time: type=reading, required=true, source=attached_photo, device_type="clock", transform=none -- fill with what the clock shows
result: 5:32:51
